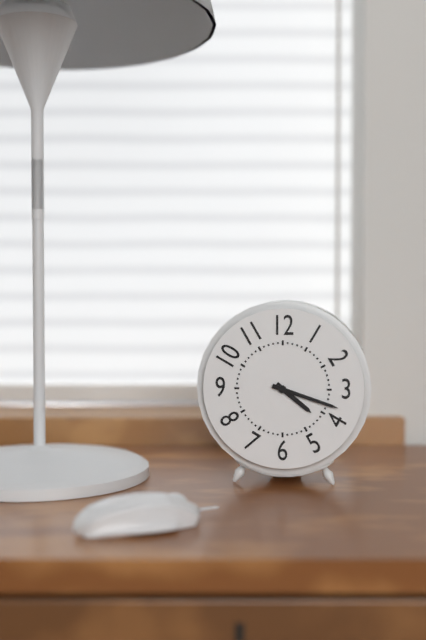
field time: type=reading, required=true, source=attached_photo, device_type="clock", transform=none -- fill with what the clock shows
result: 4:18
